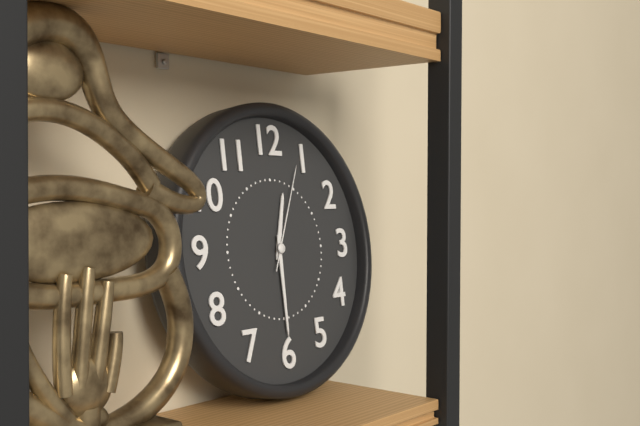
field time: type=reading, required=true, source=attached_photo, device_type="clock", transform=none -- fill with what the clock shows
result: 12:30:04
